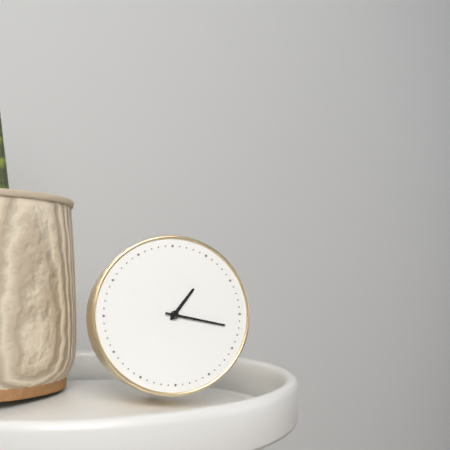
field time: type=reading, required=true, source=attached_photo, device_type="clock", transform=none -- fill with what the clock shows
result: 1:17
